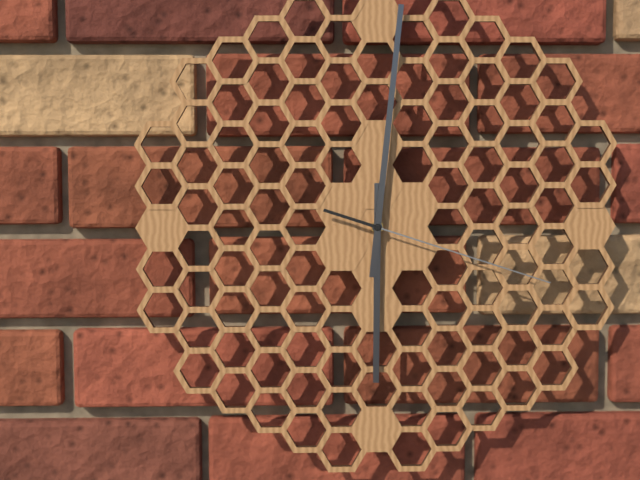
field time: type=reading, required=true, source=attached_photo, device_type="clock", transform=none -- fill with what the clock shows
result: 6:01:18
